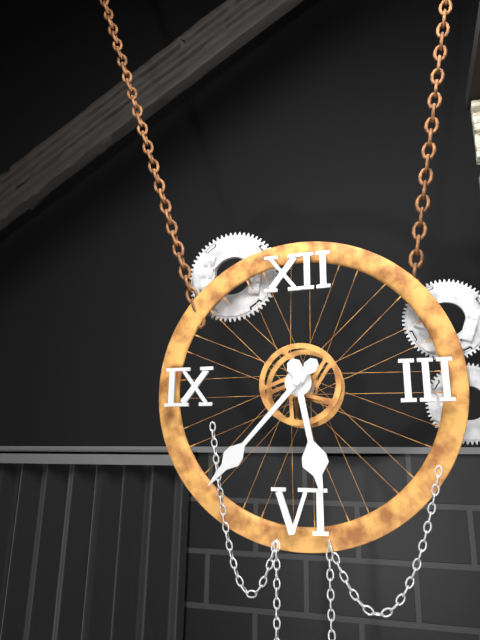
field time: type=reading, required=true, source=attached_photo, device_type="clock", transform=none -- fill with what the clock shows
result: 5:37
